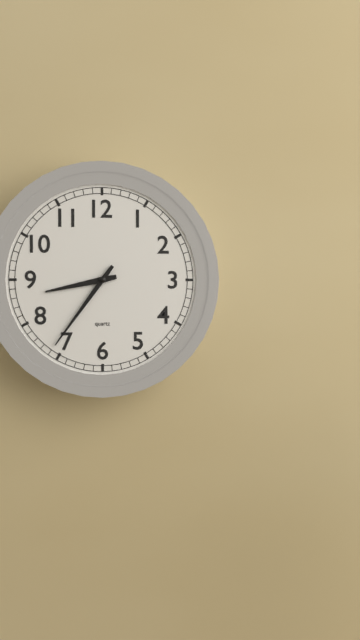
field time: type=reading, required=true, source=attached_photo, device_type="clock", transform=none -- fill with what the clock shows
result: 8:36
